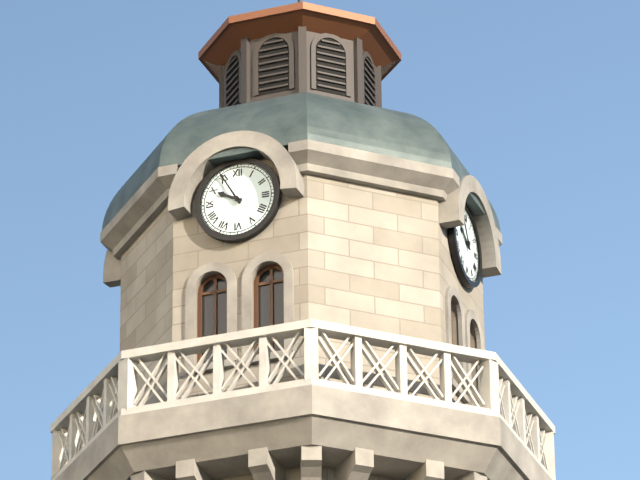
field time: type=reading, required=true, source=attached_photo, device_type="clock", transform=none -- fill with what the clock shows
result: 9:55
